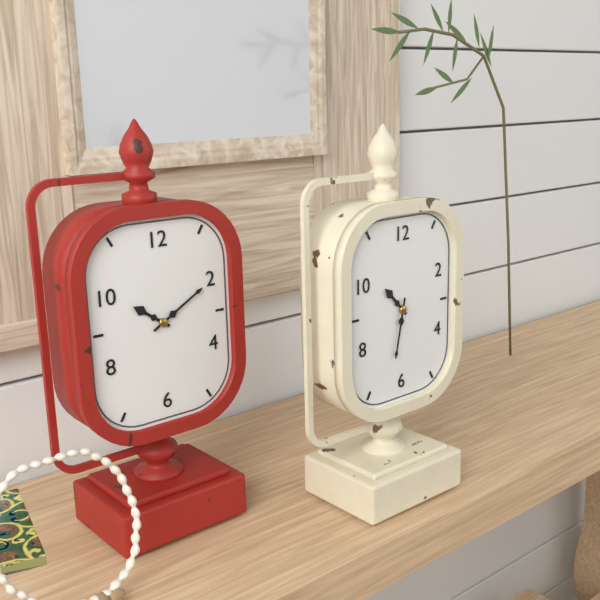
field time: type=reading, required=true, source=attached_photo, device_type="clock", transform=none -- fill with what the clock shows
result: 10:32
